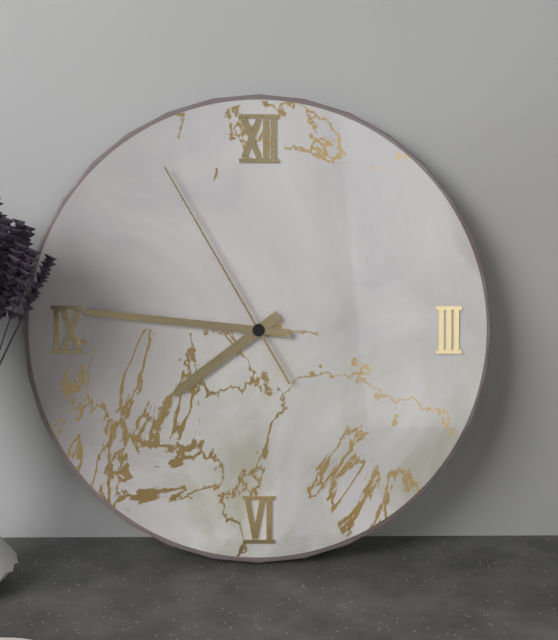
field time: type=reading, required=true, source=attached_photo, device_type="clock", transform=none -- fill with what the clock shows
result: 7:46:55
